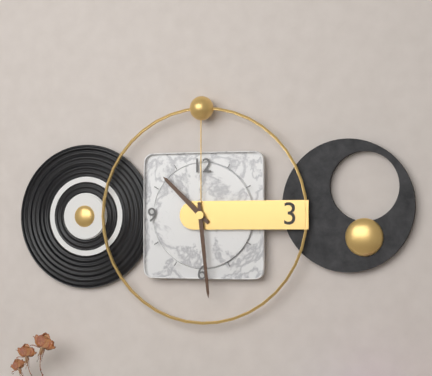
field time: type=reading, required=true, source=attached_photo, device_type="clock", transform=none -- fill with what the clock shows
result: 10:29
